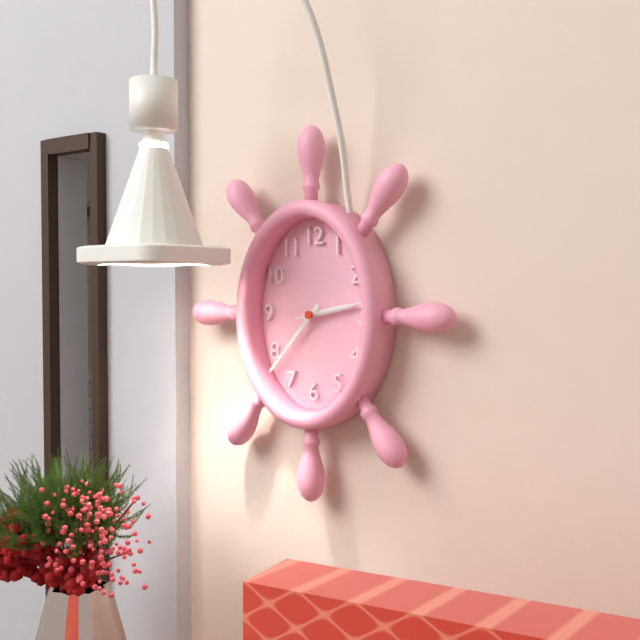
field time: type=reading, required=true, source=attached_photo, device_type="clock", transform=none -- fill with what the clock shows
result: 2:37:13
